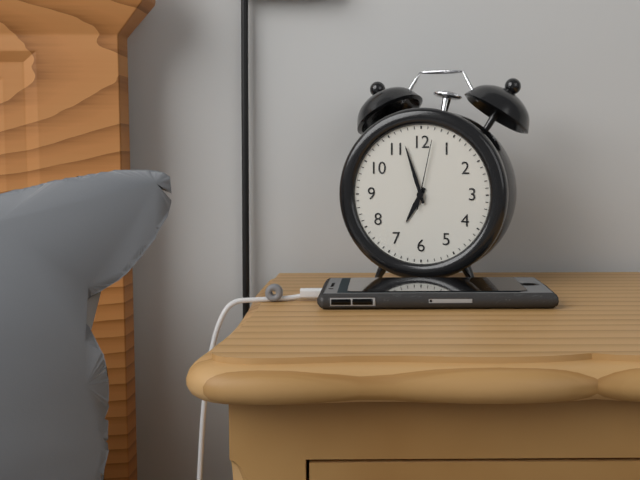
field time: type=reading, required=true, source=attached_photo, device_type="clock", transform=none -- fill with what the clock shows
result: 6:57:02
